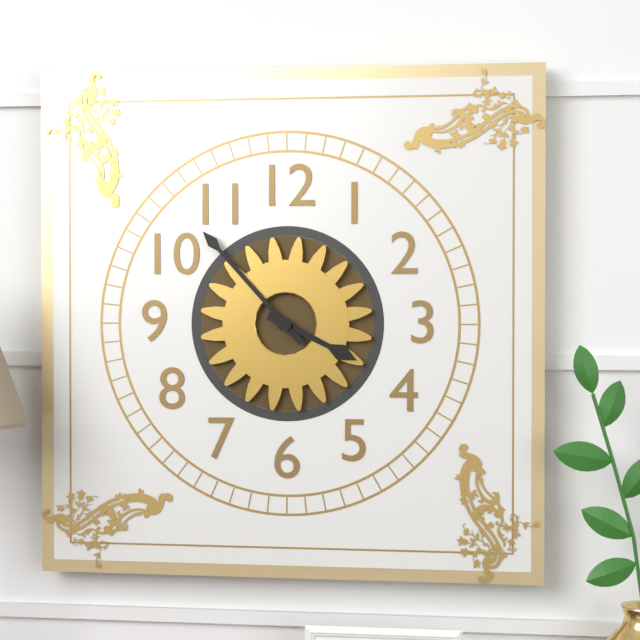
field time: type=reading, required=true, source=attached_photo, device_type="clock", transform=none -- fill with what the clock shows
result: 3:53
